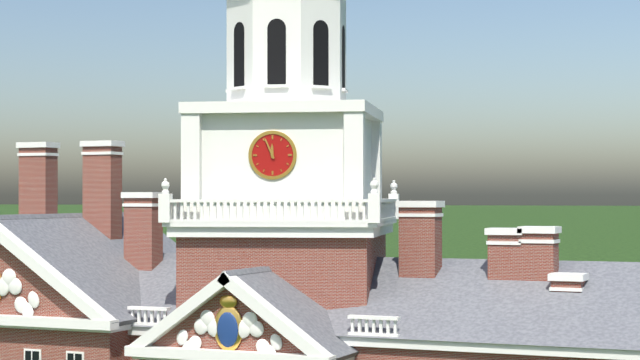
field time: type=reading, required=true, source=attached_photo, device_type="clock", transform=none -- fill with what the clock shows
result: 11:56
